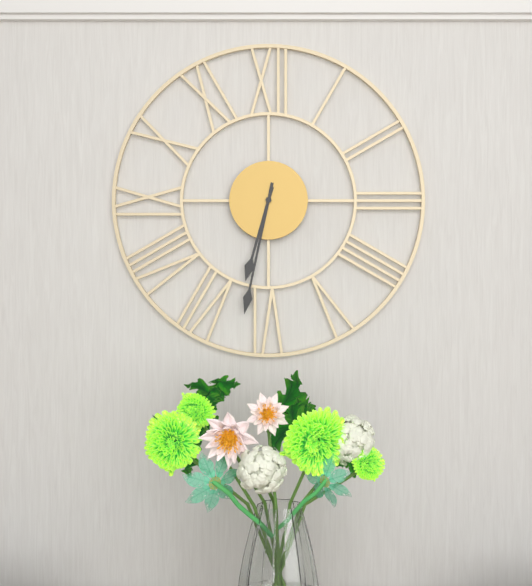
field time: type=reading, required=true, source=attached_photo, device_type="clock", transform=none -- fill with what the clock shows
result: 6:32
